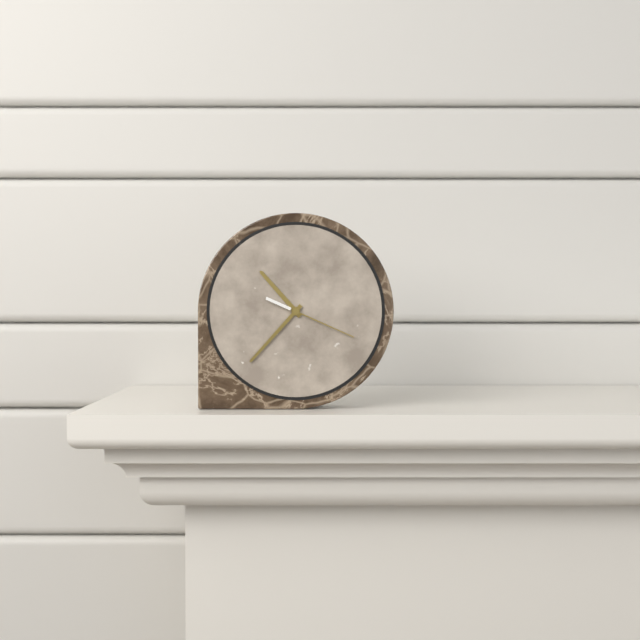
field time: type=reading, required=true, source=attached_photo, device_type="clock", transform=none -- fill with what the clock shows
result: 10:37:19
